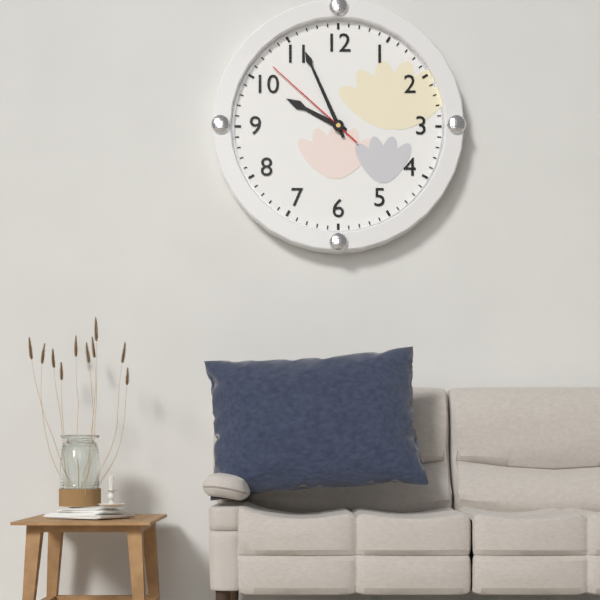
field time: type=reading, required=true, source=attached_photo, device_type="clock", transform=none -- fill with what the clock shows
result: 9:56:52
